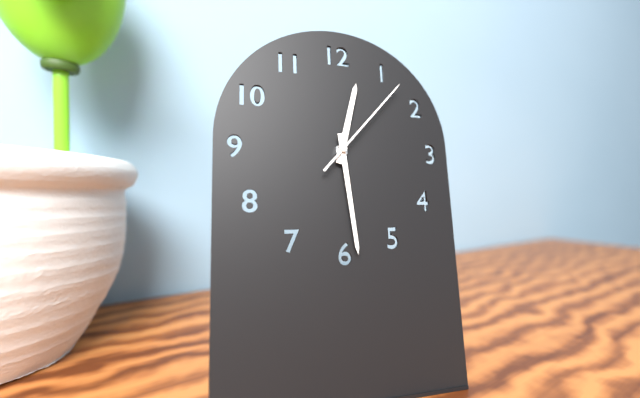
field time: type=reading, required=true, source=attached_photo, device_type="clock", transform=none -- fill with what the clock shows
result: 12:29:07
